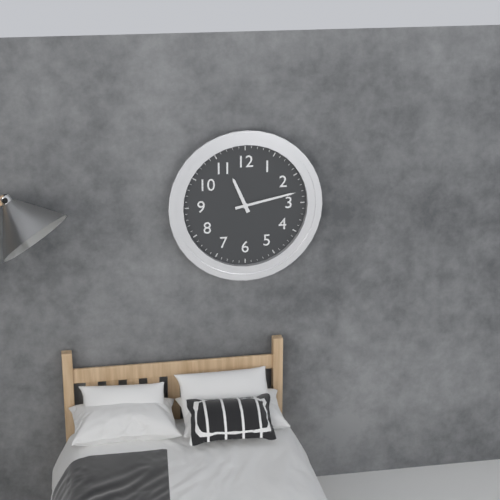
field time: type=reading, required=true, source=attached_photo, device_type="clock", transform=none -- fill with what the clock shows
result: 11:13
